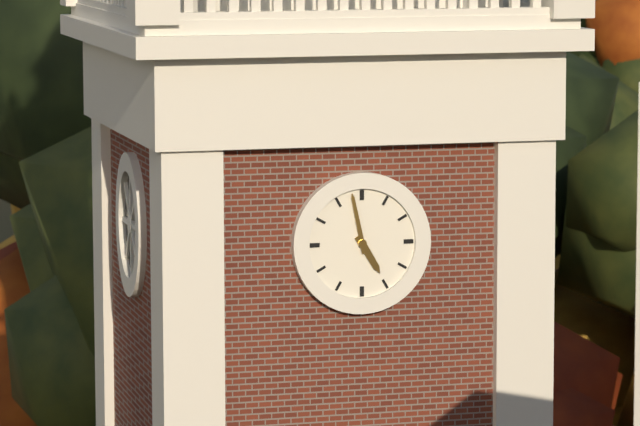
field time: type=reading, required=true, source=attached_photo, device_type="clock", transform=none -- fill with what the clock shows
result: 4:58
